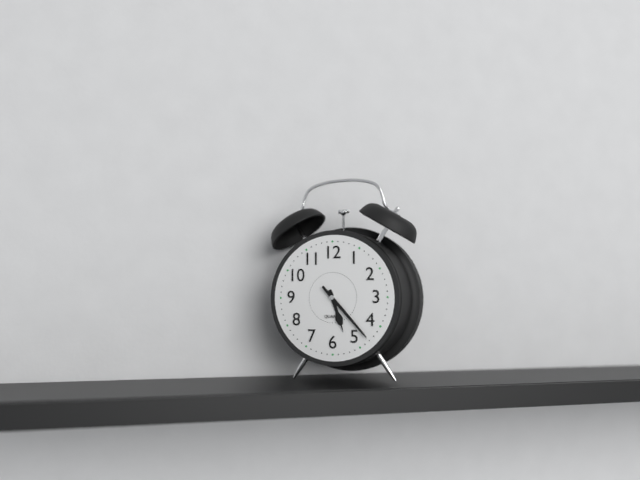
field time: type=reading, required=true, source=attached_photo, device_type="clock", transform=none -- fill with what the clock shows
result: 5:23
